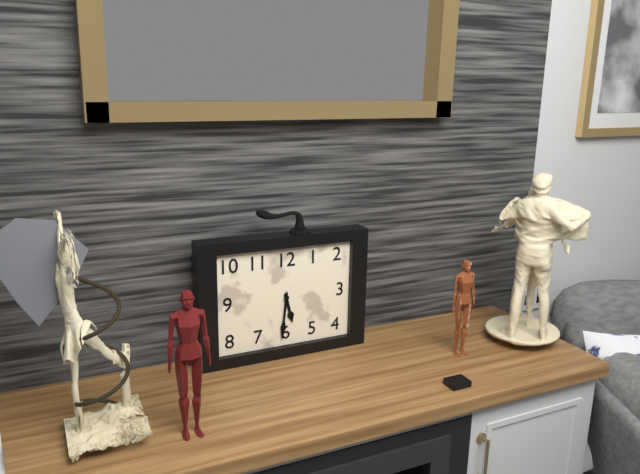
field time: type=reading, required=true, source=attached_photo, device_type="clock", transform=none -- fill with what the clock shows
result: 5:31
